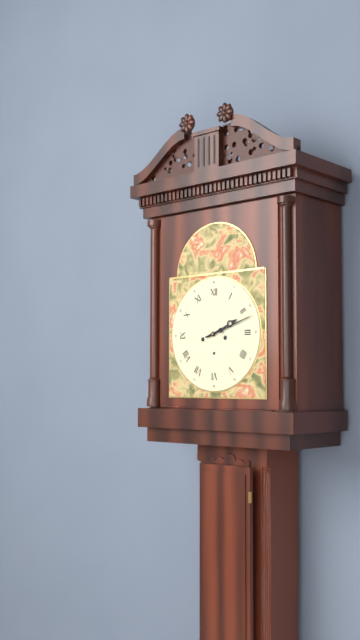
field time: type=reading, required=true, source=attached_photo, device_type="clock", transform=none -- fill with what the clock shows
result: 2:12
